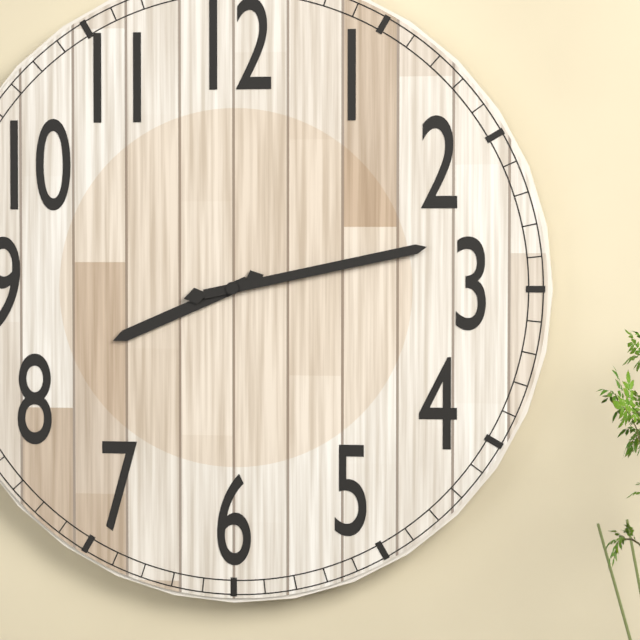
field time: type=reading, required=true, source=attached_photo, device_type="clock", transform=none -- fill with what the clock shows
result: 8:13
